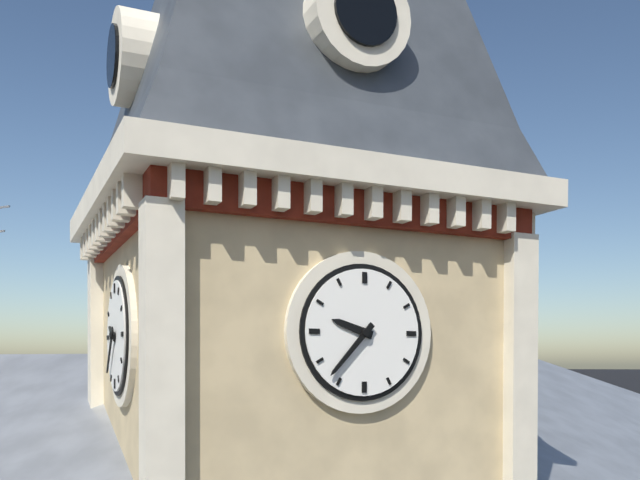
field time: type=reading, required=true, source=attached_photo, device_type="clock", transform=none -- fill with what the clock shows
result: 9:37
